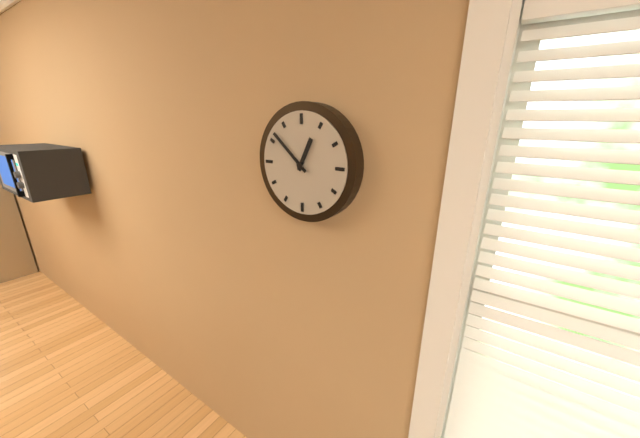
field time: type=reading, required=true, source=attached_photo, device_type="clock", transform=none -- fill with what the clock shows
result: 12:52
